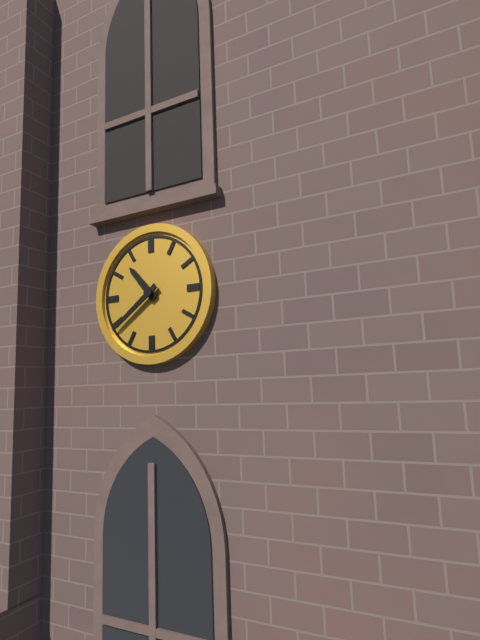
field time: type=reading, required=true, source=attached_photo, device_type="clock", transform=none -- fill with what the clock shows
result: 10:39
